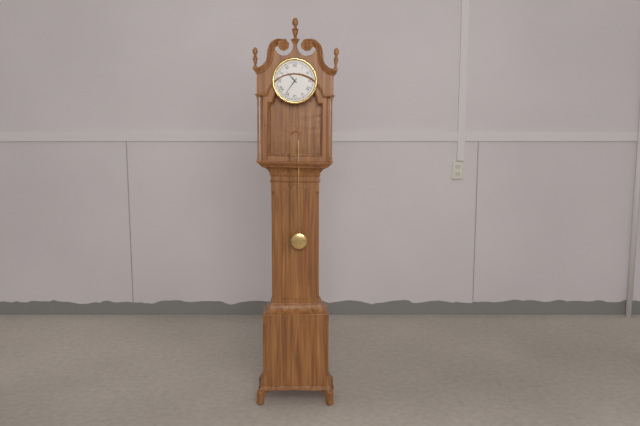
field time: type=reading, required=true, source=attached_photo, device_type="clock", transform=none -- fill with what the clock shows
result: 10:36
